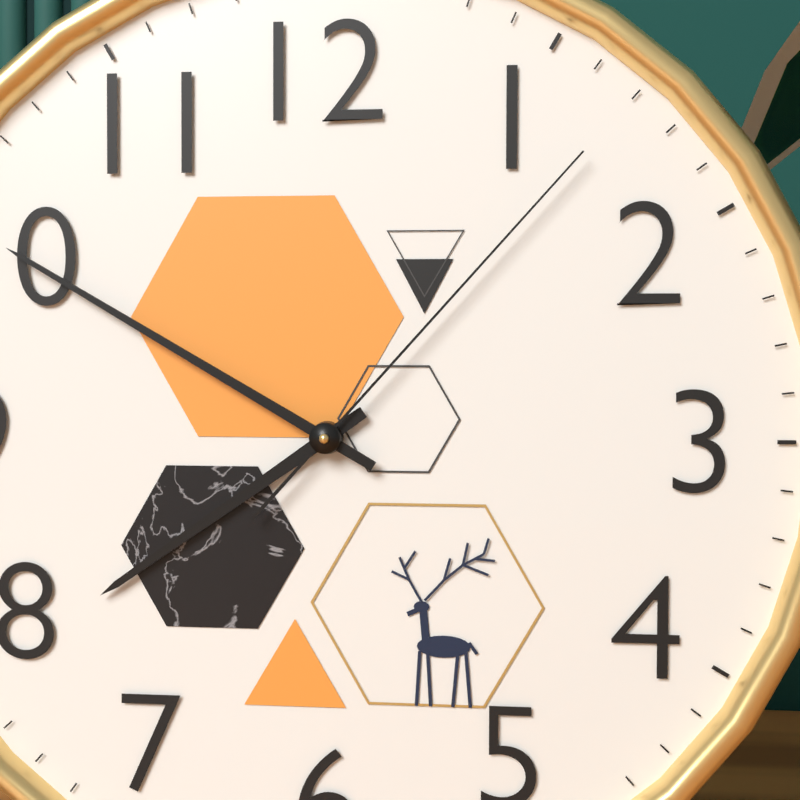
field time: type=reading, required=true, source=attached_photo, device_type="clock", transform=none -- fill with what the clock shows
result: 7:50:07
